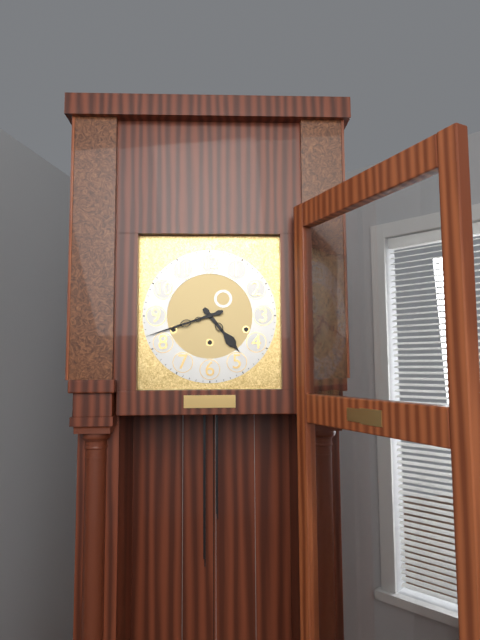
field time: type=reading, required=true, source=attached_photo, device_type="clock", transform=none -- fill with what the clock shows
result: 4:42
